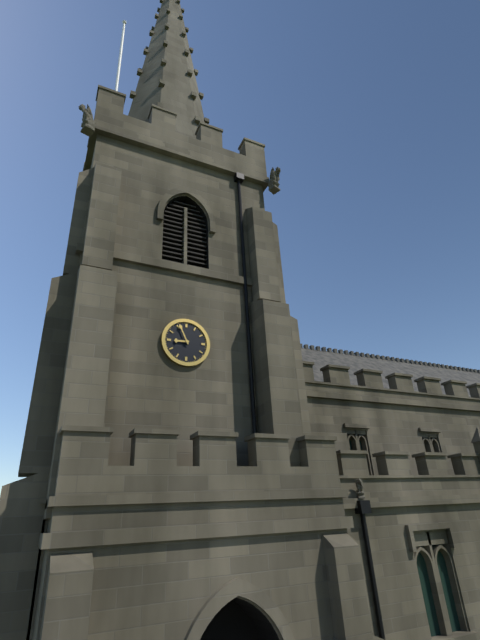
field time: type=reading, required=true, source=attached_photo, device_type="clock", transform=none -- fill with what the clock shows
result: 8:56
